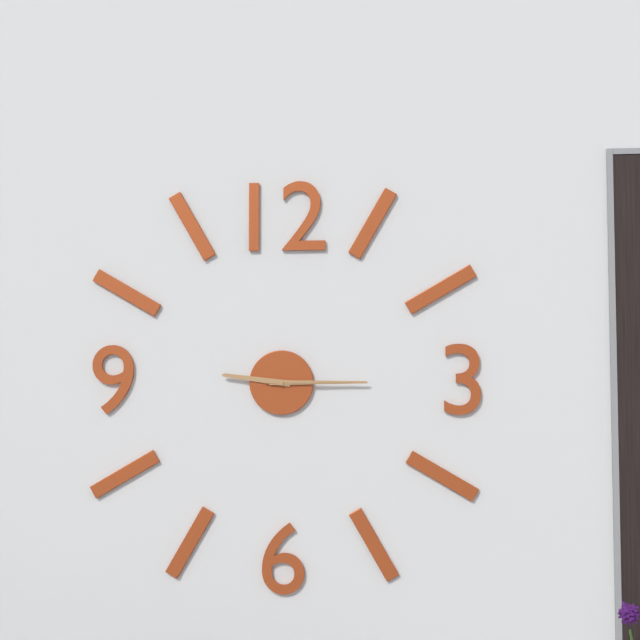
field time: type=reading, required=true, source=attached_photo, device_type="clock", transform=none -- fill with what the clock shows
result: 9:15:15
